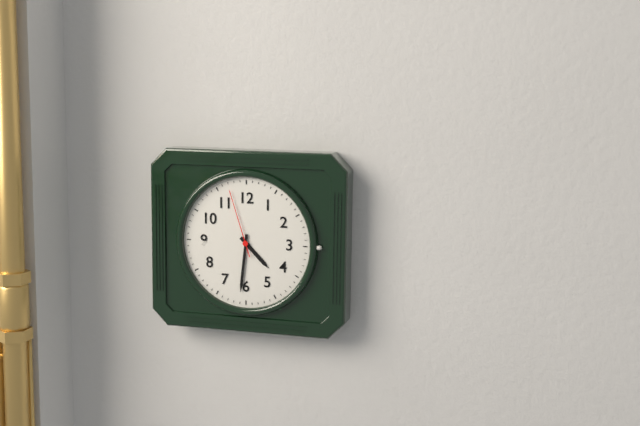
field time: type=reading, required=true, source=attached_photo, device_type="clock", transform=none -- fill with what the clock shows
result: 4:31:57
